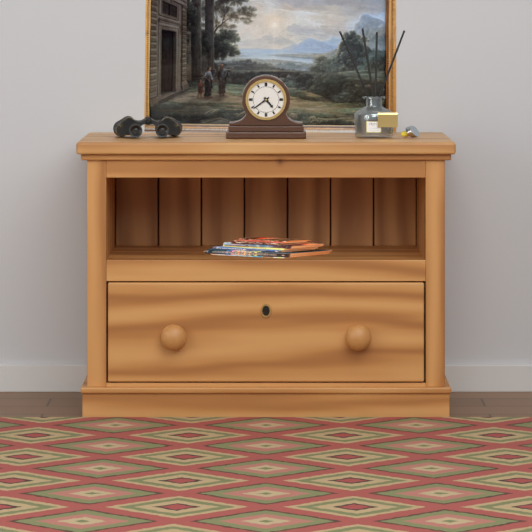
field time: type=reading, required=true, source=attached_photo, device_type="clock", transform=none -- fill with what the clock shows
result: 4:39
